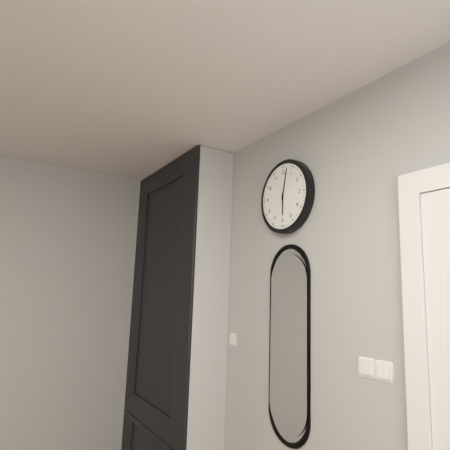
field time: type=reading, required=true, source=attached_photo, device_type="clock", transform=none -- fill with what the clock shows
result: 6:02
